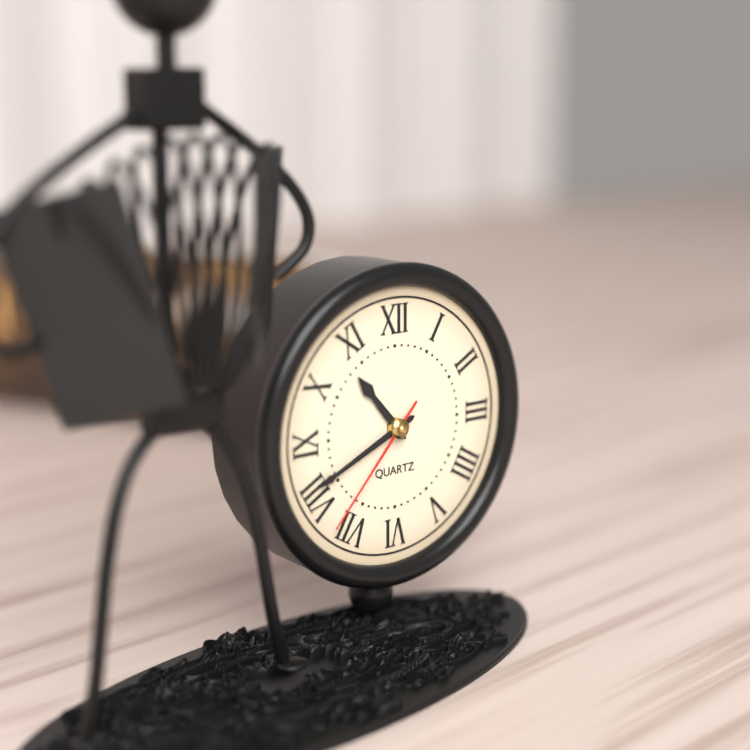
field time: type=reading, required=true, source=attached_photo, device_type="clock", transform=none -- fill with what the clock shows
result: 10:41:37
